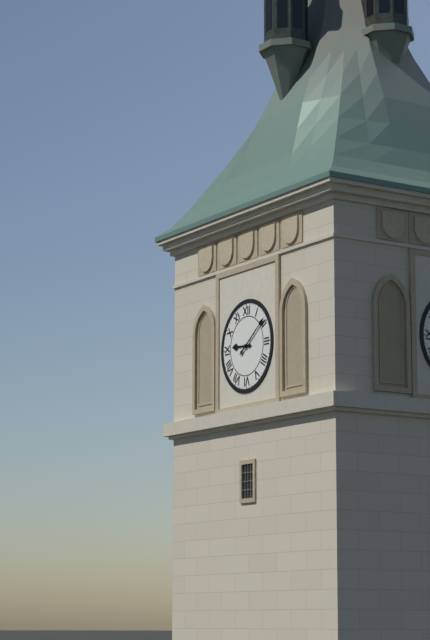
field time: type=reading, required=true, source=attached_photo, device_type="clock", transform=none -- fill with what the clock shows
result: 9:09
